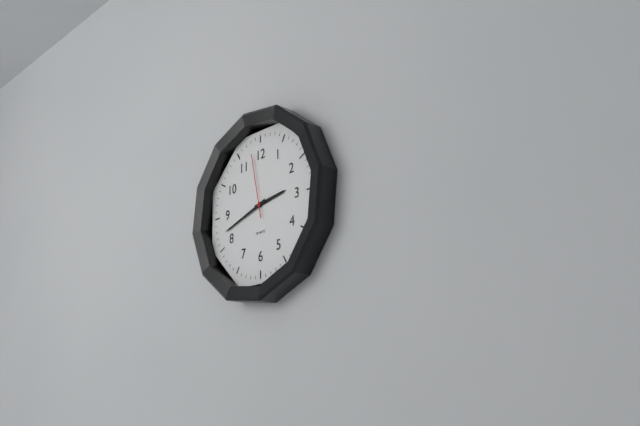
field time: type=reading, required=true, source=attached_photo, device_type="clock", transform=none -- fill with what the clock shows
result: 2:42:58
